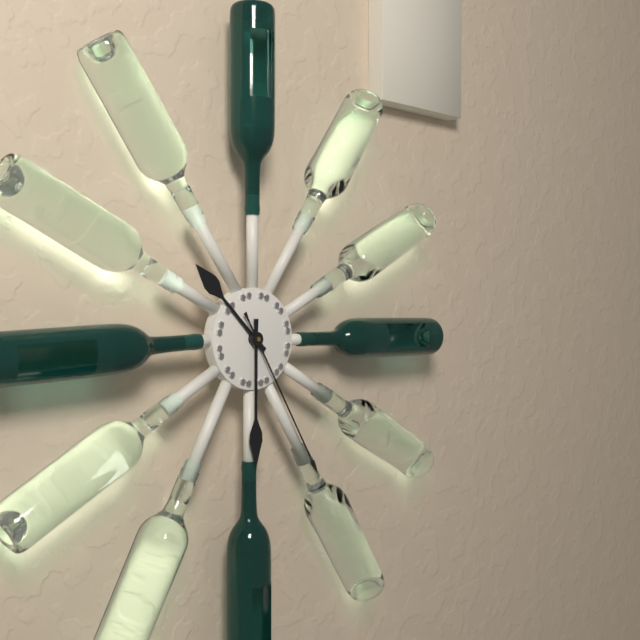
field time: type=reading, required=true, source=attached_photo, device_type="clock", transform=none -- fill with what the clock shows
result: 10:30:25
